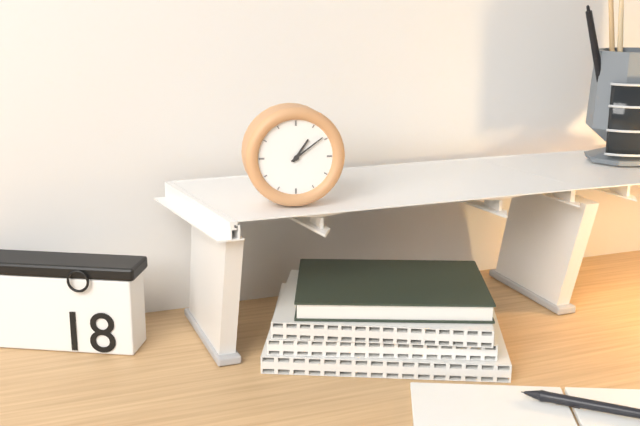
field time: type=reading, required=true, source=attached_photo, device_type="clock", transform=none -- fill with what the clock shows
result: 1:09
